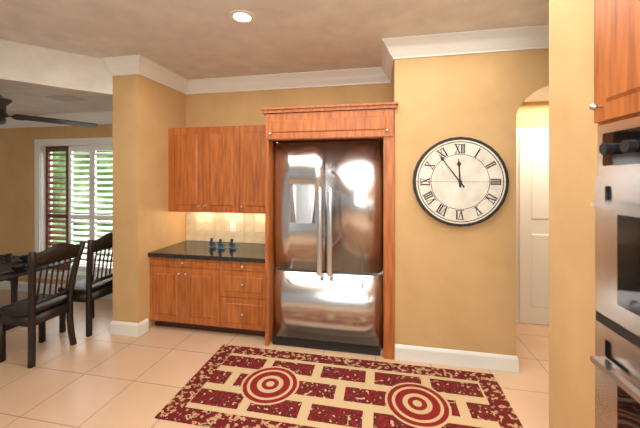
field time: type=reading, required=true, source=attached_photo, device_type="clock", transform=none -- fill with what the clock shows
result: 11:54
